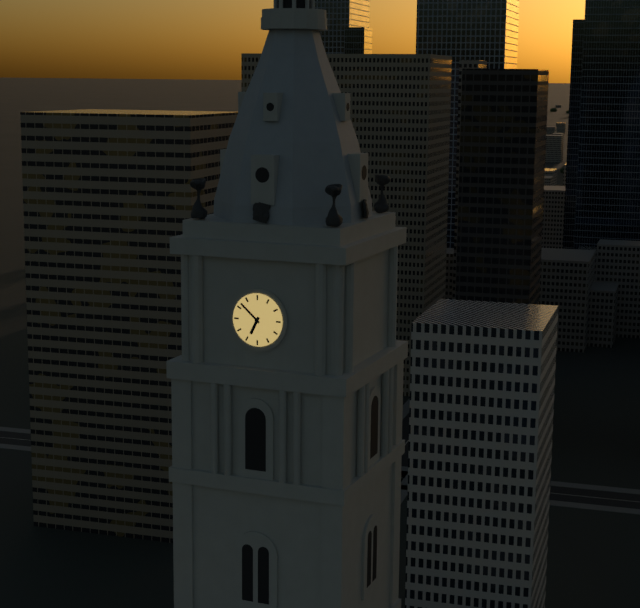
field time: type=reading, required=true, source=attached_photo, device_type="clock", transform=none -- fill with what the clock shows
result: 6:52
